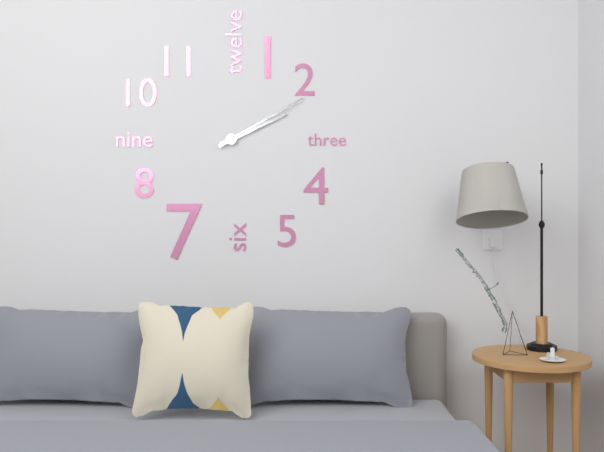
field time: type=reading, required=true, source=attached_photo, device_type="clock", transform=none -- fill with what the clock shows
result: 2:10
